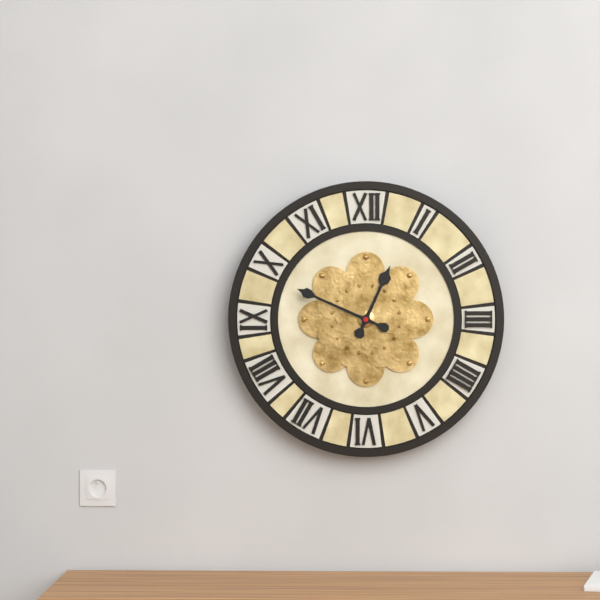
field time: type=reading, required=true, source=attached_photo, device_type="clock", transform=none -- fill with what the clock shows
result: 12:49
